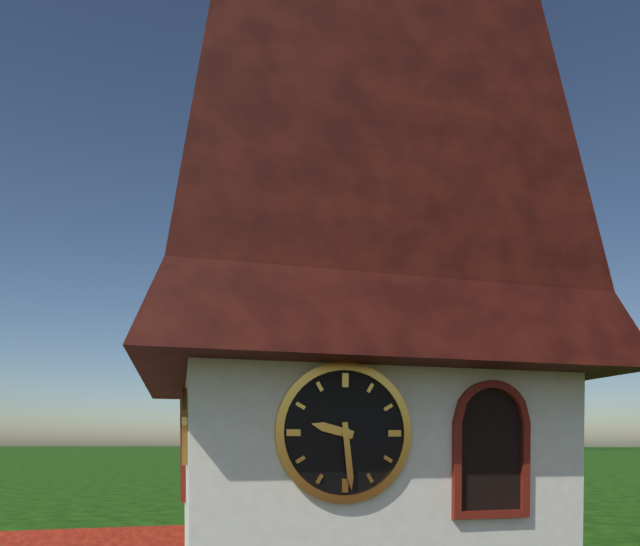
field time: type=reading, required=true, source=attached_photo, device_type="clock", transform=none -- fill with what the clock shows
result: 9:29
